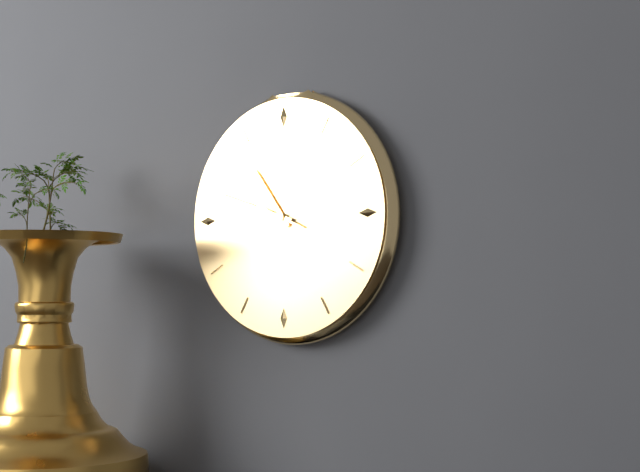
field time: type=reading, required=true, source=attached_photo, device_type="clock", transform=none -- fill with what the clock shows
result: 10:48:49
